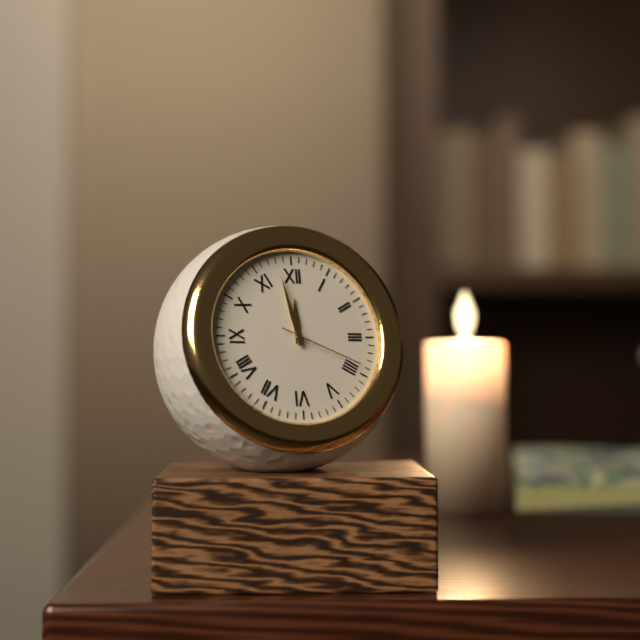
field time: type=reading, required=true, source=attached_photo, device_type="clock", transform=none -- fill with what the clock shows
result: 11:58:19
